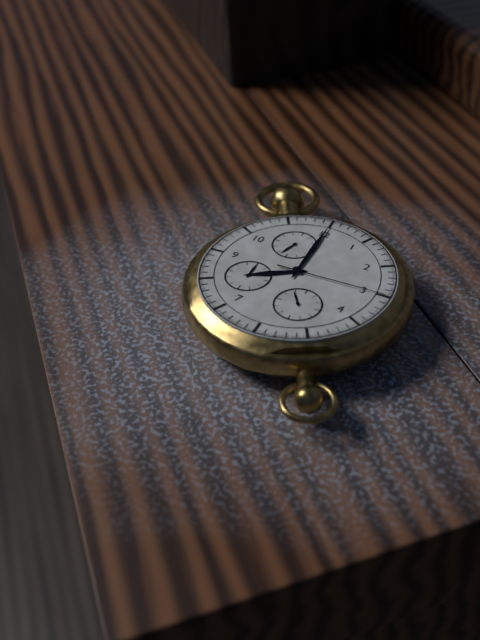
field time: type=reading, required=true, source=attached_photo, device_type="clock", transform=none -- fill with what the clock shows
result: 8:00:15
